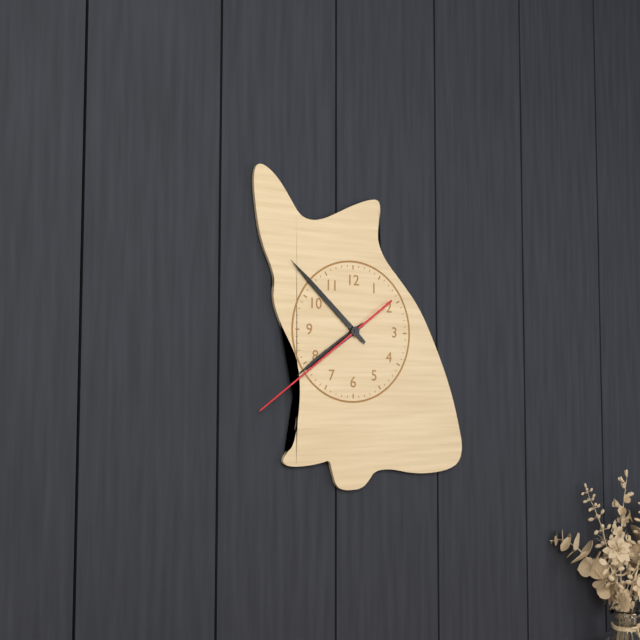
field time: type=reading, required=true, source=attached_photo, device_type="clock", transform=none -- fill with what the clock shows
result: 7:52:39
